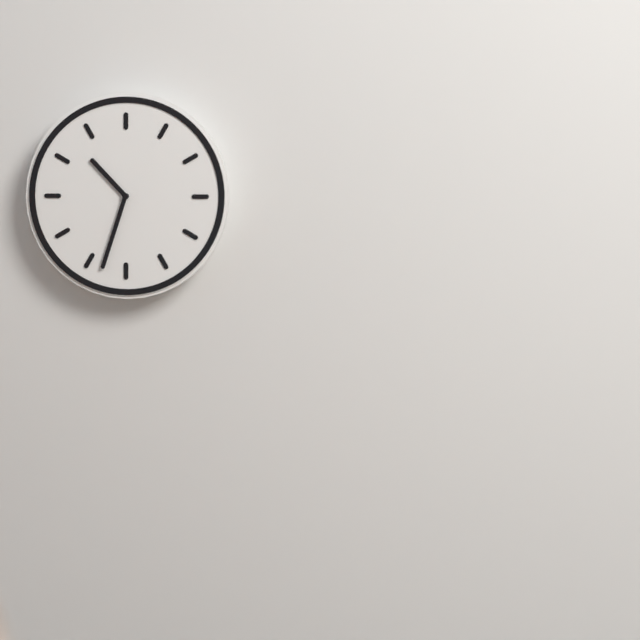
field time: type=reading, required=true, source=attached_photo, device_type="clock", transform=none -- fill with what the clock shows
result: 10:33
